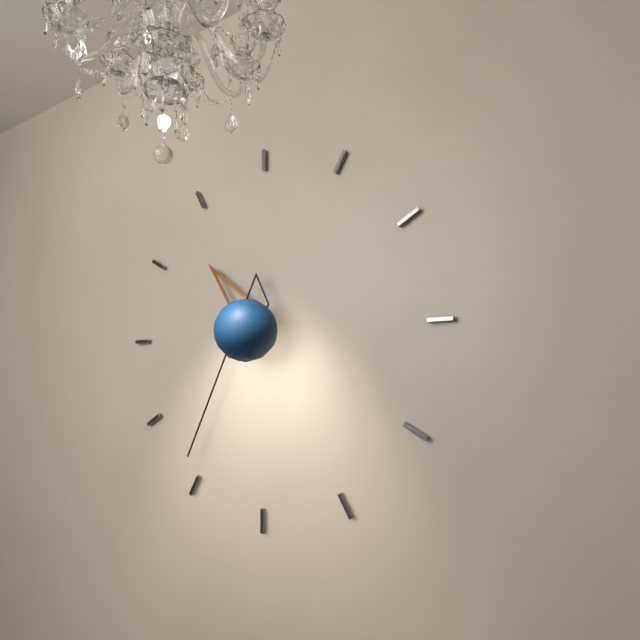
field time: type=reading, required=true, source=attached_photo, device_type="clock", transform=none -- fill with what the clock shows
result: 10:36
